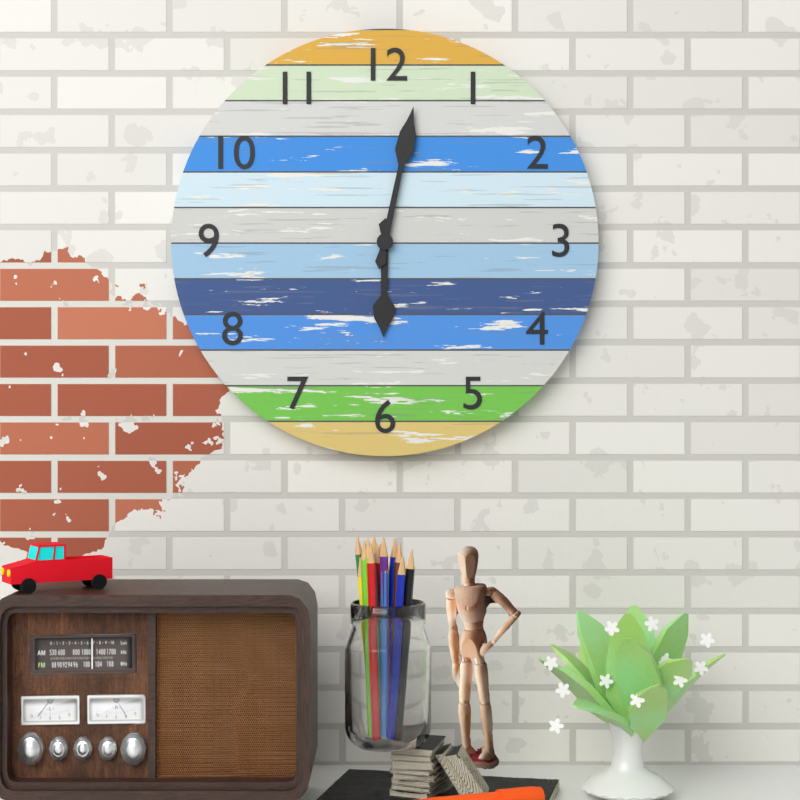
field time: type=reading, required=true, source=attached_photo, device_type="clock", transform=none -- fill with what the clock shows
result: 6:02
